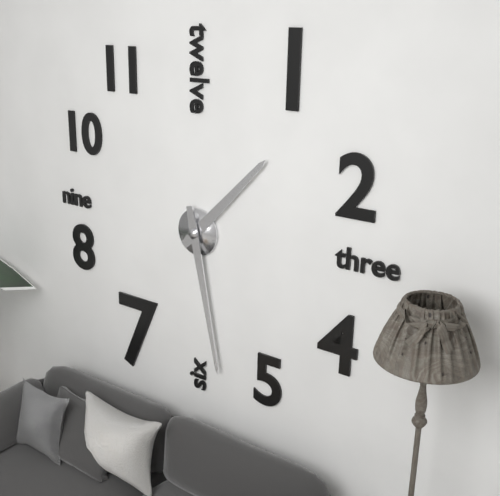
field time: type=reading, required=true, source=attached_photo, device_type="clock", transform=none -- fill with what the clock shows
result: 1:28
